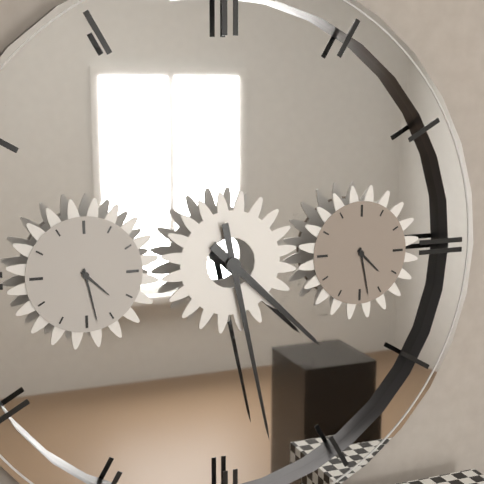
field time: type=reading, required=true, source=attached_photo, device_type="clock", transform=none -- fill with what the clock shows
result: 4:28
